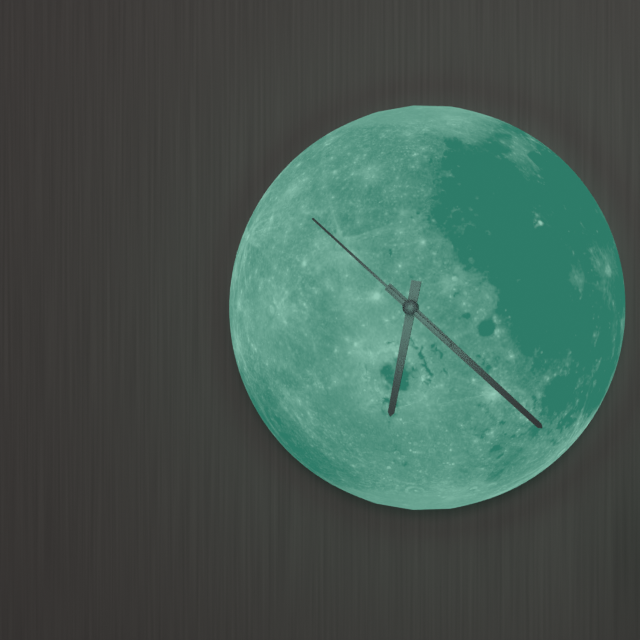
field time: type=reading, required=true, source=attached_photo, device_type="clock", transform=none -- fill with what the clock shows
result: 6:22:52
